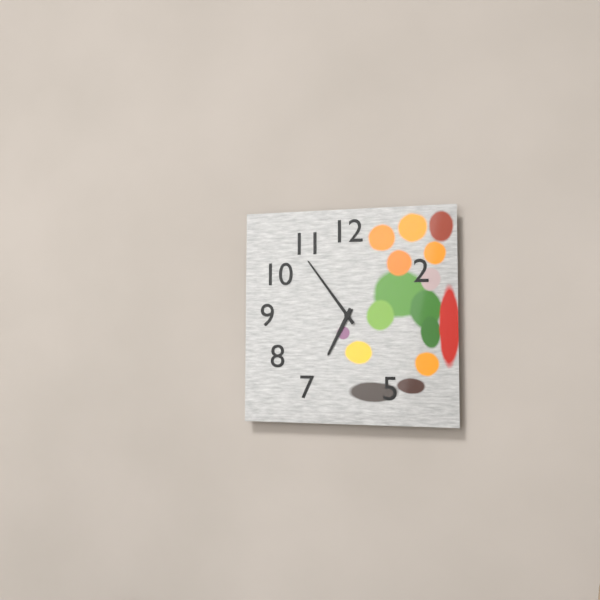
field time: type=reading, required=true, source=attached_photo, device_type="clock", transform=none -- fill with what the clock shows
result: 6:54
